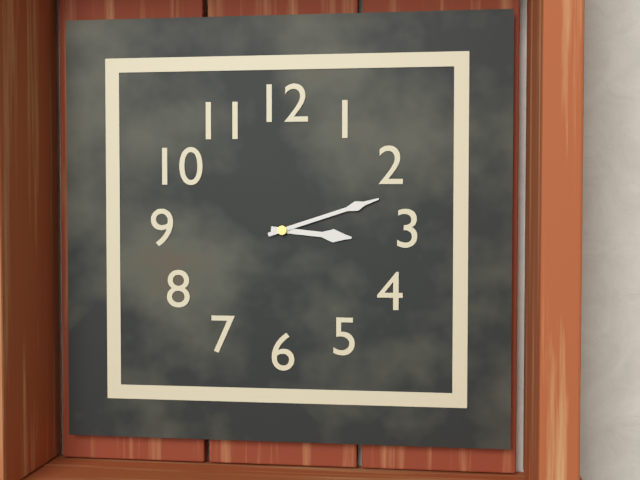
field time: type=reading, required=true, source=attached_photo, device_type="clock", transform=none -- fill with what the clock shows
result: 3:12
